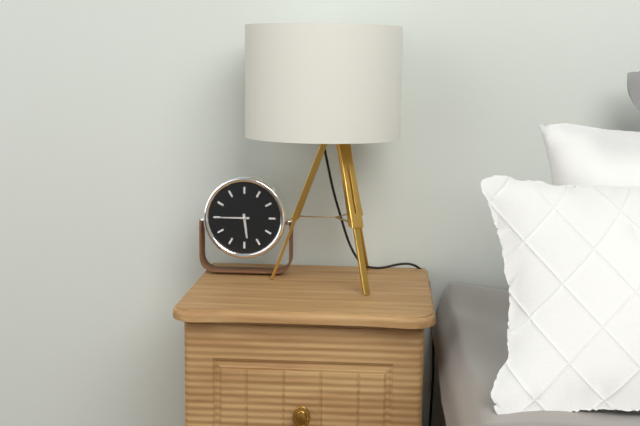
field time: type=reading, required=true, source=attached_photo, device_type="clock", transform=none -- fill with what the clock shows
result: 5:45
